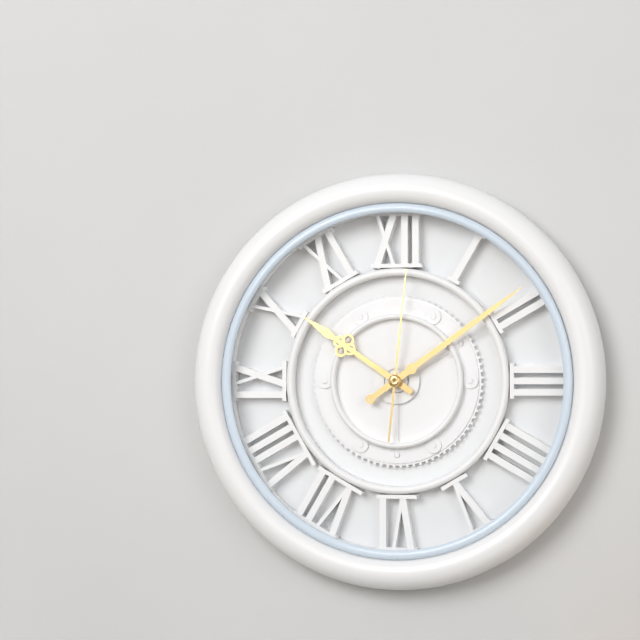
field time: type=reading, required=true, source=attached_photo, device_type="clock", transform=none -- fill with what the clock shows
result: 10:09:01
